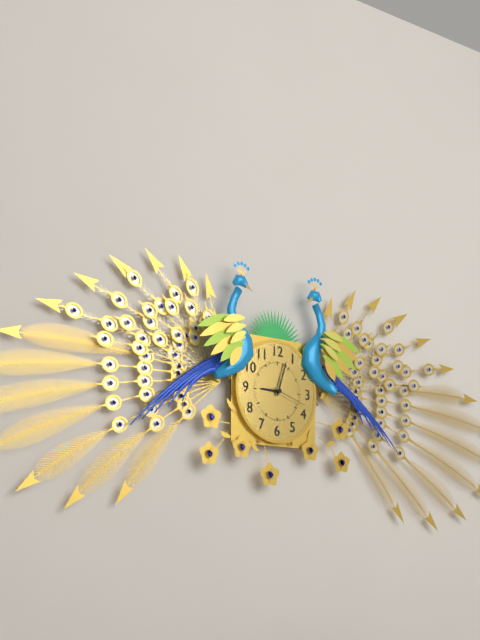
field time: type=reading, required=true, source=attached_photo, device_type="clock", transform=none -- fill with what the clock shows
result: 9:03
